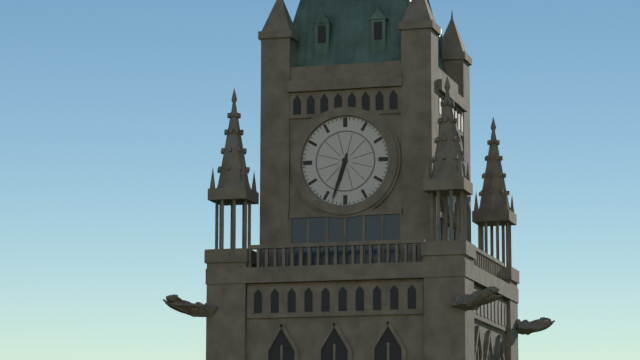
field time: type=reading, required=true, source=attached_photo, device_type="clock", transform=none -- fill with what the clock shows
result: 6:33
